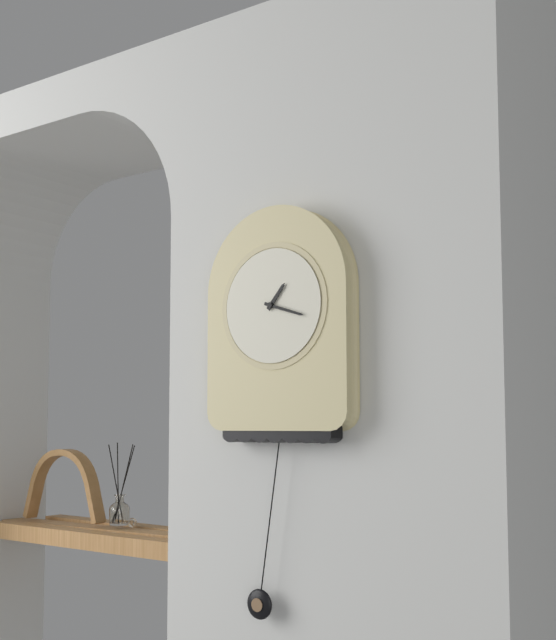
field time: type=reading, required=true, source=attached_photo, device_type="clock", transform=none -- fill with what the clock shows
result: 1:18
